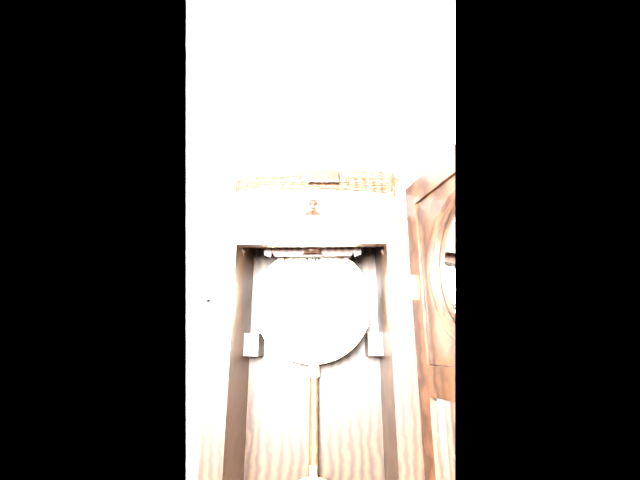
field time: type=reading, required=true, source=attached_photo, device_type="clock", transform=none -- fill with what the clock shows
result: 10:41
